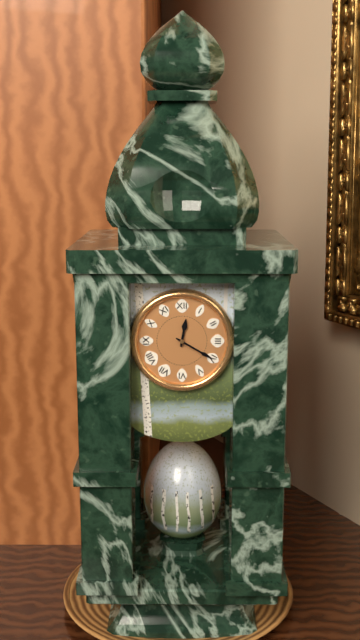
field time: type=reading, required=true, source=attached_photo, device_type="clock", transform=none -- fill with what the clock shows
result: 12:20
